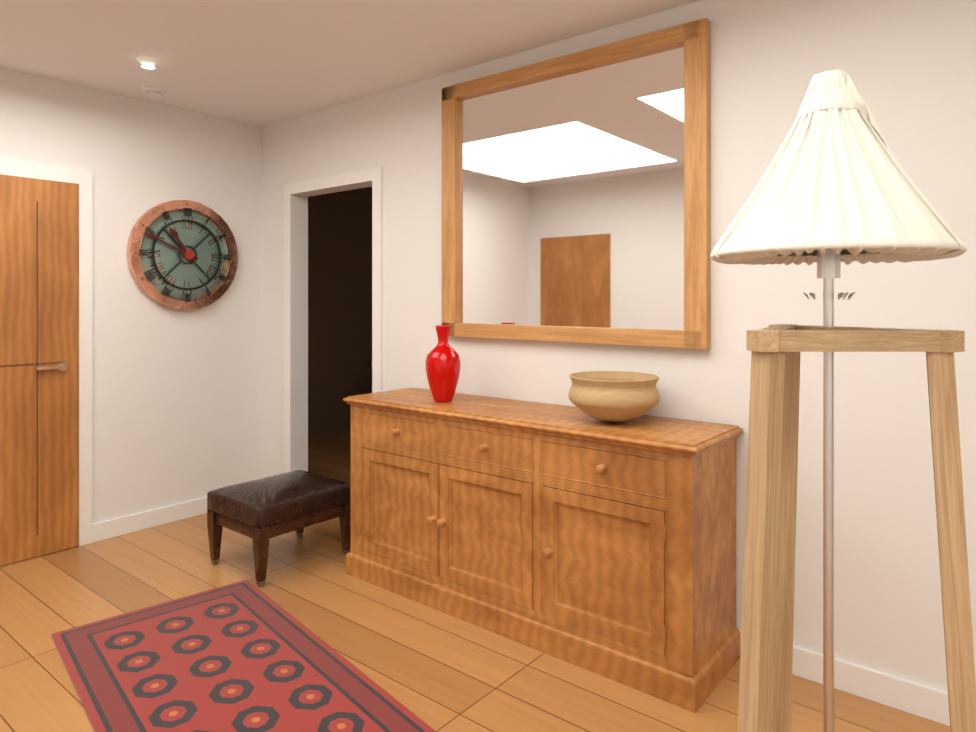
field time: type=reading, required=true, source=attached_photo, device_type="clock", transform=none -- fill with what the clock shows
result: 10:49
